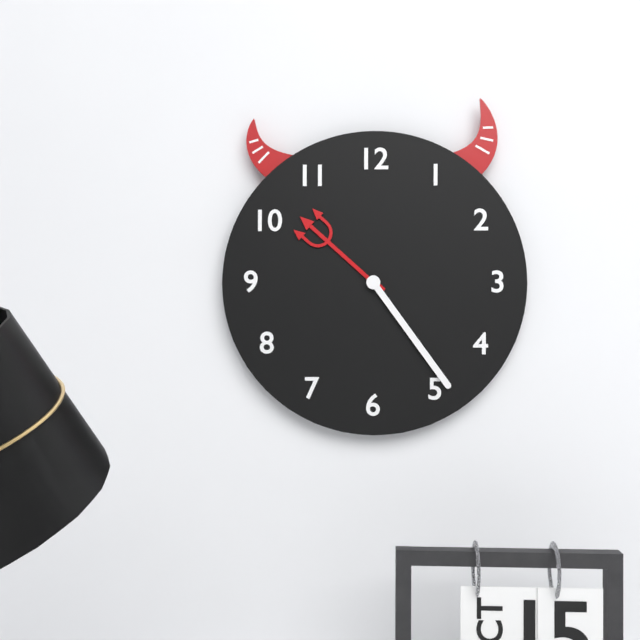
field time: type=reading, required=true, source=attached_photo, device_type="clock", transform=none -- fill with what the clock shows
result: 10:24
